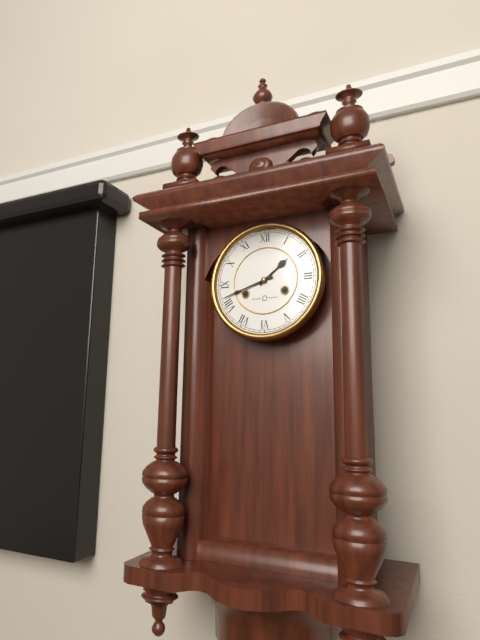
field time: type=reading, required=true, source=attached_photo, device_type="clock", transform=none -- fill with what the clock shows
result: 1:42
